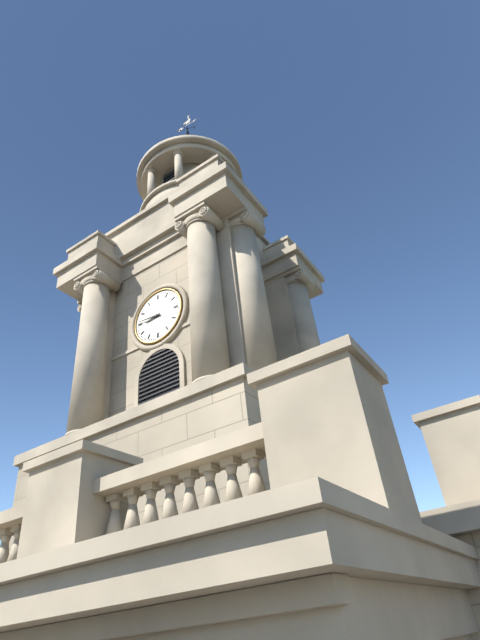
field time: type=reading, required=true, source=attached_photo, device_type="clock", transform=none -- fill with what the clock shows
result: 8:46
